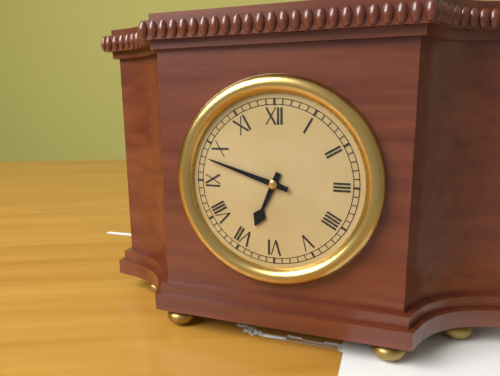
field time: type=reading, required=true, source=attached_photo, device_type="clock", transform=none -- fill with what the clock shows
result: 6:48
